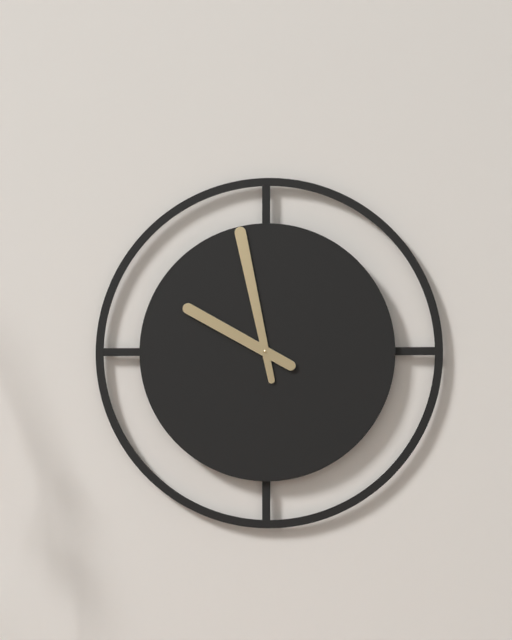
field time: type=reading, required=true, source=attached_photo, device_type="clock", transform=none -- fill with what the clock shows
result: 9:58
